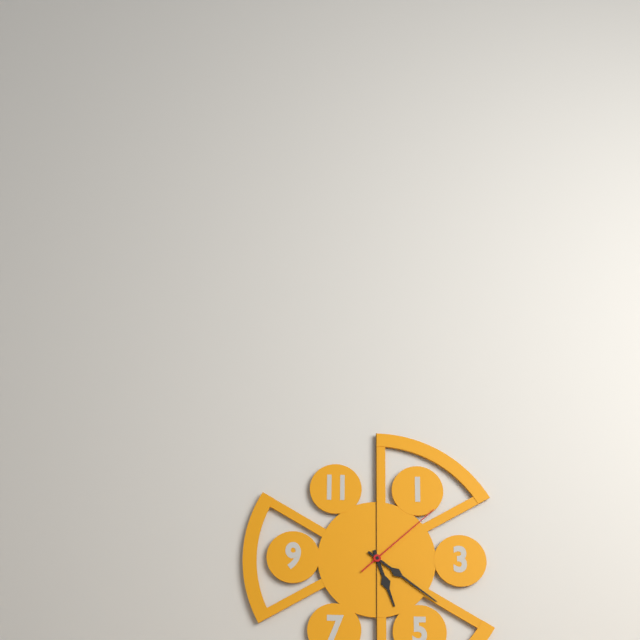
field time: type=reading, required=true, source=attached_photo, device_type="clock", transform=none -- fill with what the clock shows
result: 5:21:08
